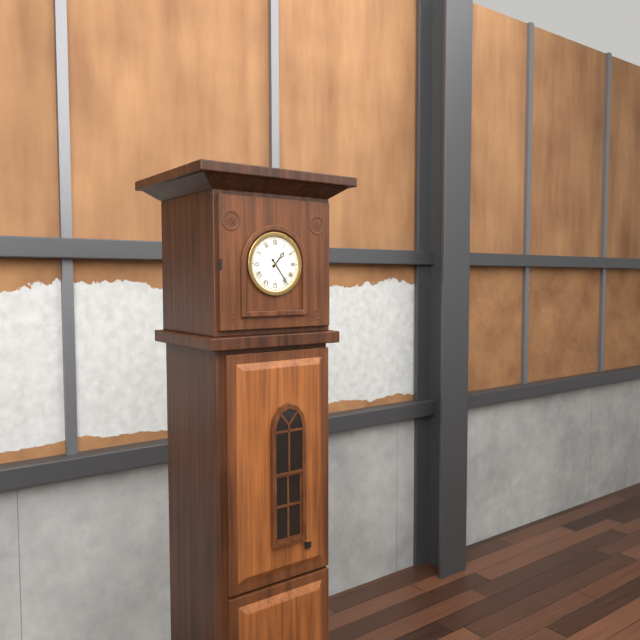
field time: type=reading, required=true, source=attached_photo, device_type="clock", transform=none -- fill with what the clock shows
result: 1:24
